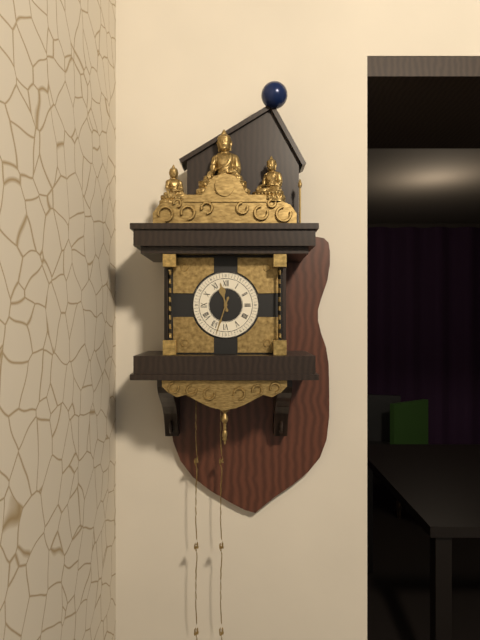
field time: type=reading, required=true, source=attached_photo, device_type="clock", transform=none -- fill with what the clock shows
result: 11:33
